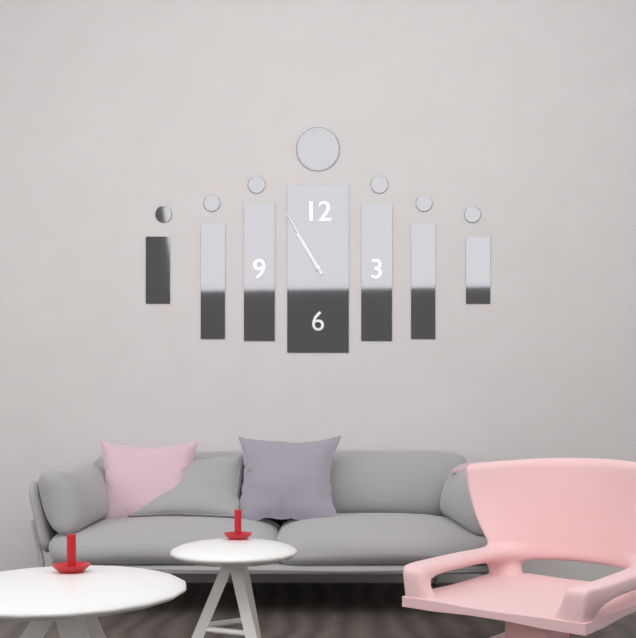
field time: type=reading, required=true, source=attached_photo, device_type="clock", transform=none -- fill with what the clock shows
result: 10:55
